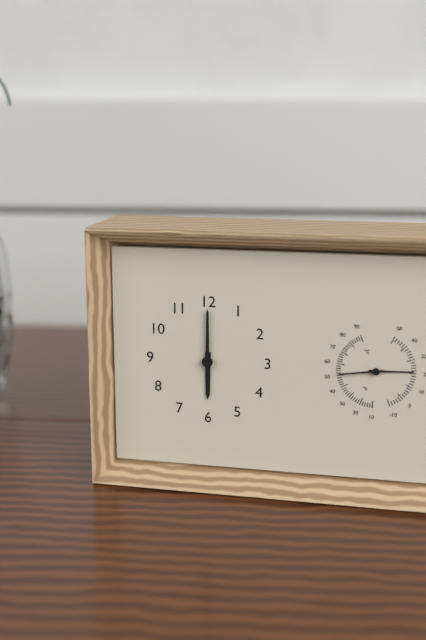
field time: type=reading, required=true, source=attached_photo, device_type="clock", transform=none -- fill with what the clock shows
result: 6:00
